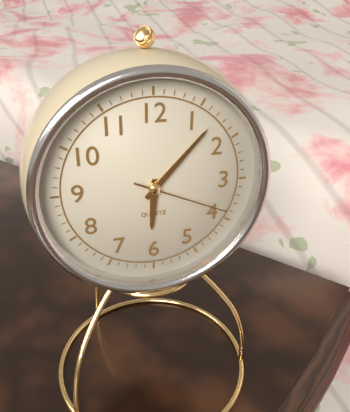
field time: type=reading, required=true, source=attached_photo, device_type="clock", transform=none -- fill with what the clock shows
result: 6:07:19
